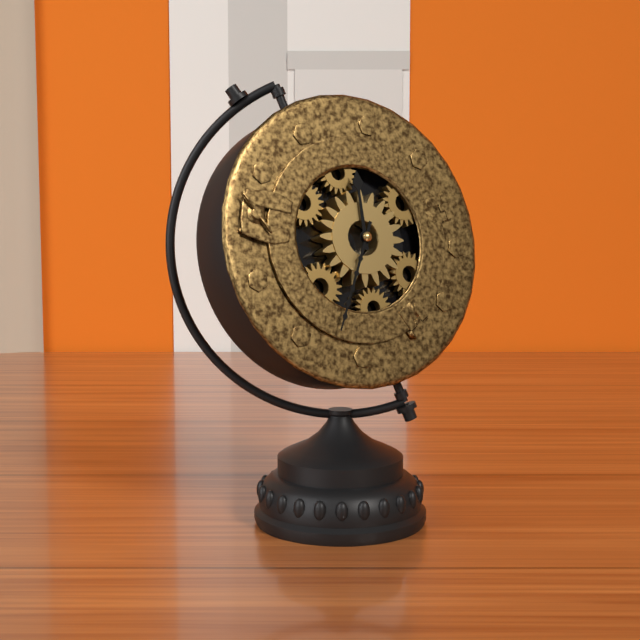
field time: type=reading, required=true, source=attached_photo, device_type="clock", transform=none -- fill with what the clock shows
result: 11:32
